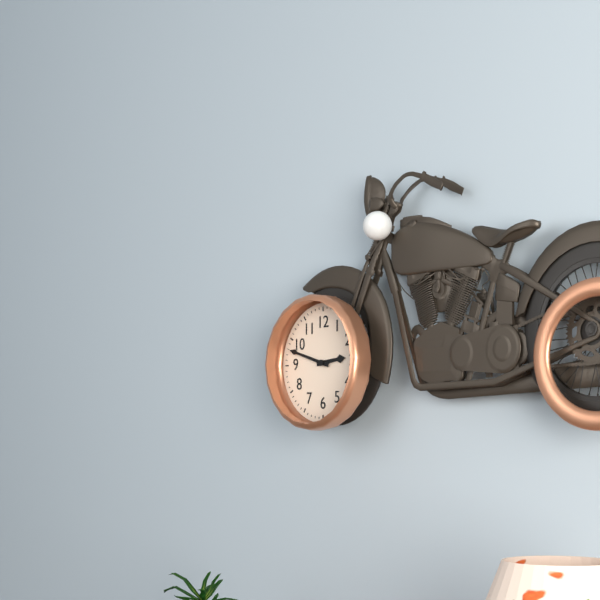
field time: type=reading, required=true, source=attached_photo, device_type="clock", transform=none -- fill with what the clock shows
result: 2:48
